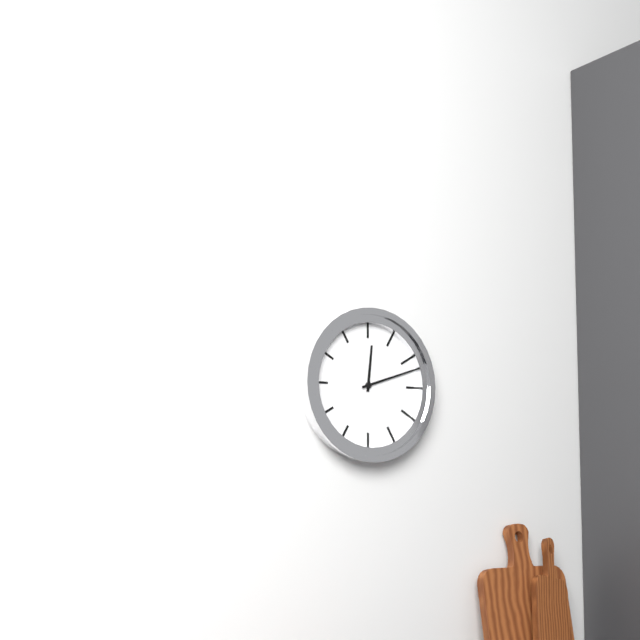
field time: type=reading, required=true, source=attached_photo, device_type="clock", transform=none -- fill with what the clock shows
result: 12:12
